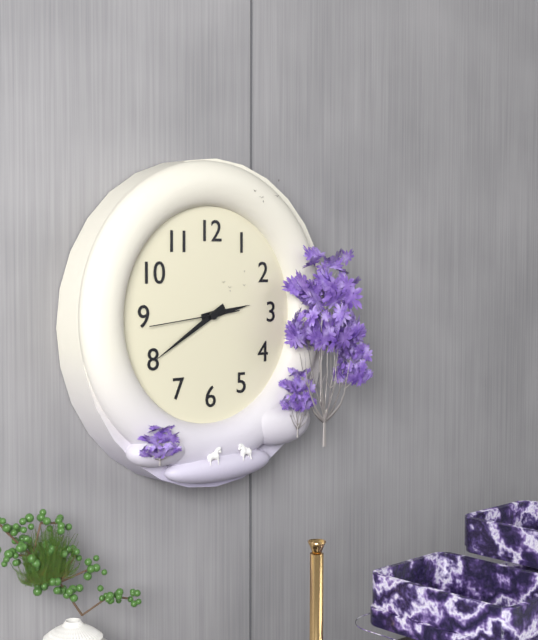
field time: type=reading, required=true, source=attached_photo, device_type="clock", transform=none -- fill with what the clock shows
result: 2:40:44
